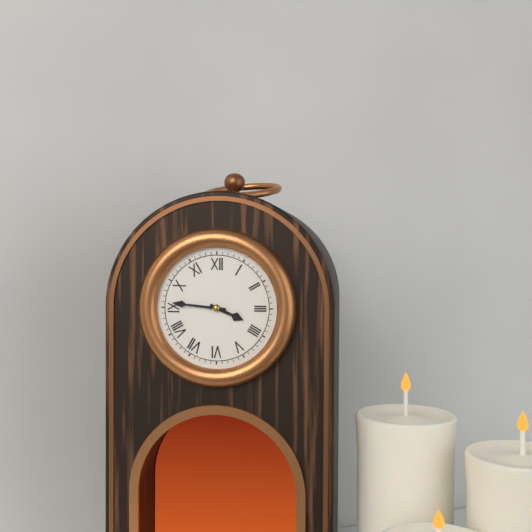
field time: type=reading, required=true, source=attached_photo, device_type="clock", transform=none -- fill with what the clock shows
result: 3:46
